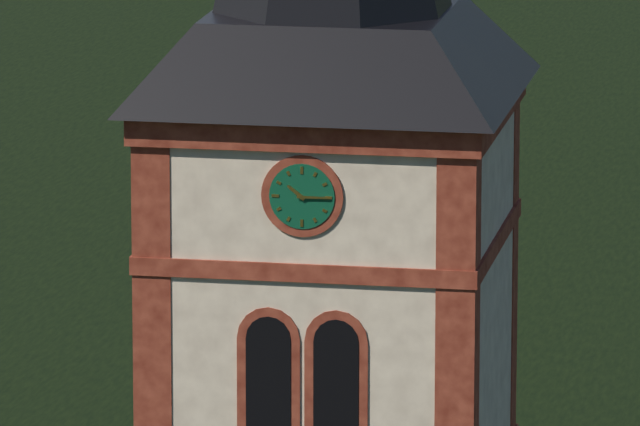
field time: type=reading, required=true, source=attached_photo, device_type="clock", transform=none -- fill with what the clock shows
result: 10:15
